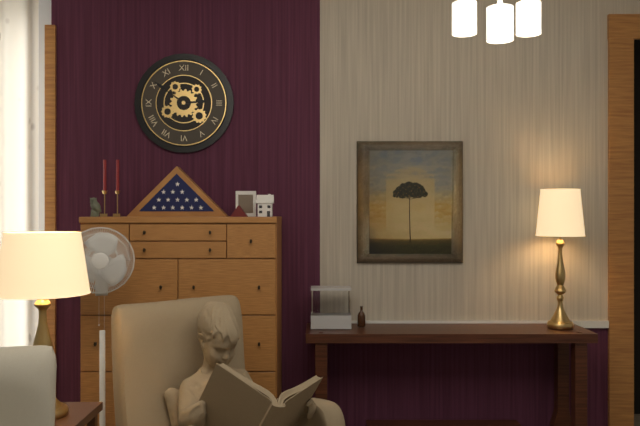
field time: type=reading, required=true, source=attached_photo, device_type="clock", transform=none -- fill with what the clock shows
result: 2:51
